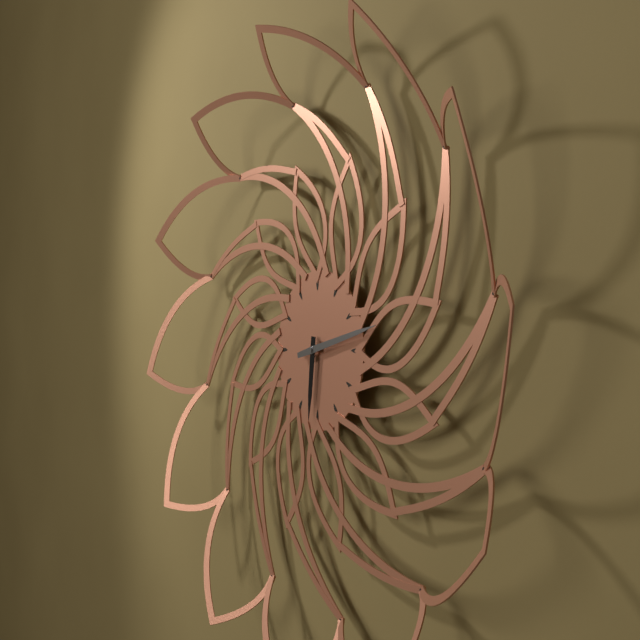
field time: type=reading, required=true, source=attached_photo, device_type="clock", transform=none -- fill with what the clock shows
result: 6:13
